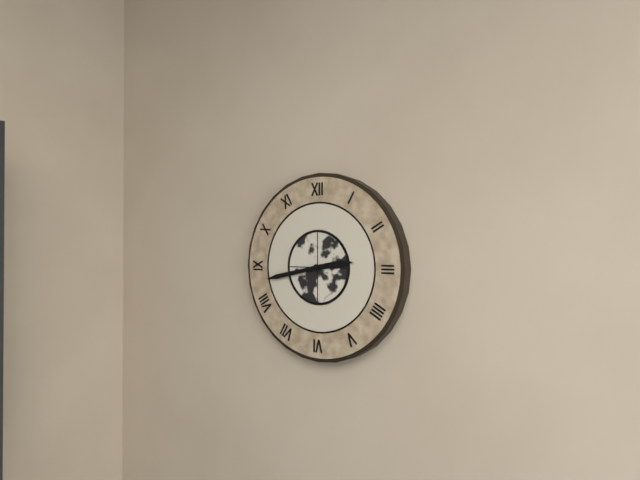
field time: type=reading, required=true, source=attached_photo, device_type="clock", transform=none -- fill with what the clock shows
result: 2:43
